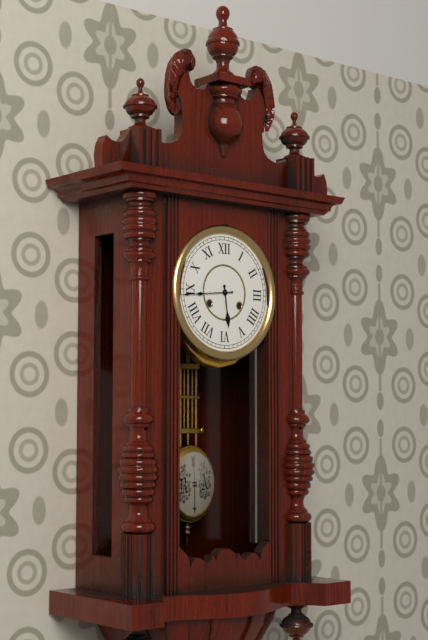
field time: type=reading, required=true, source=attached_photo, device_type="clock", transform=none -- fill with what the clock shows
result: 5:44
